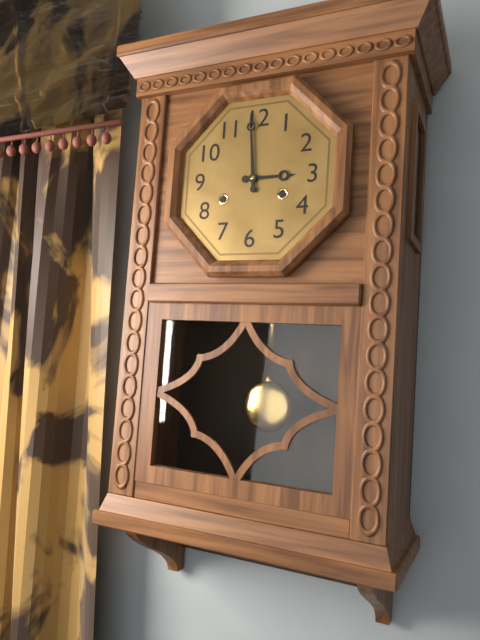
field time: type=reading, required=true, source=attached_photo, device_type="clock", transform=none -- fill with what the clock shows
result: 2:59
